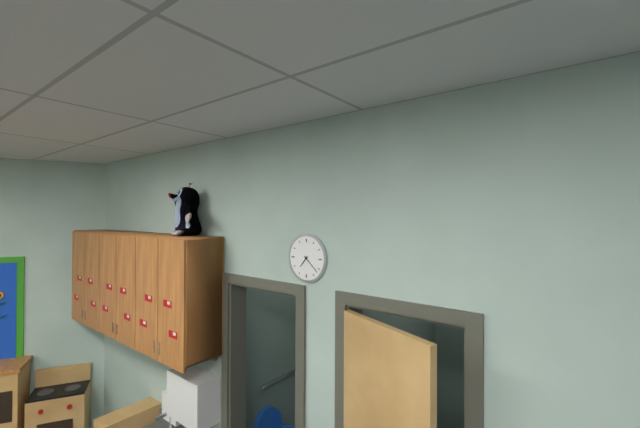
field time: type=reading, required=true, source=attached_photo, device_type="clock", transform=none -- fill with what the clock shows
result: 7:22
